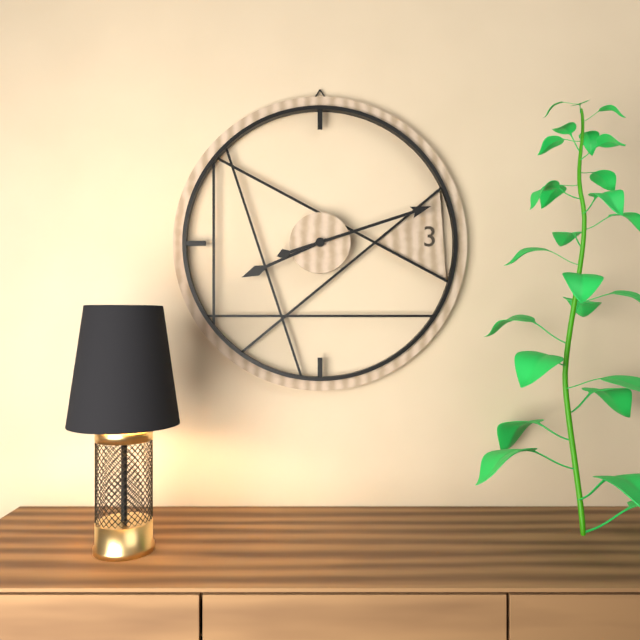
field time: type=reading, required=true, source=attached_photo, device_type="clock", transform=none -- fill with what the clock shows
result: 8:12
